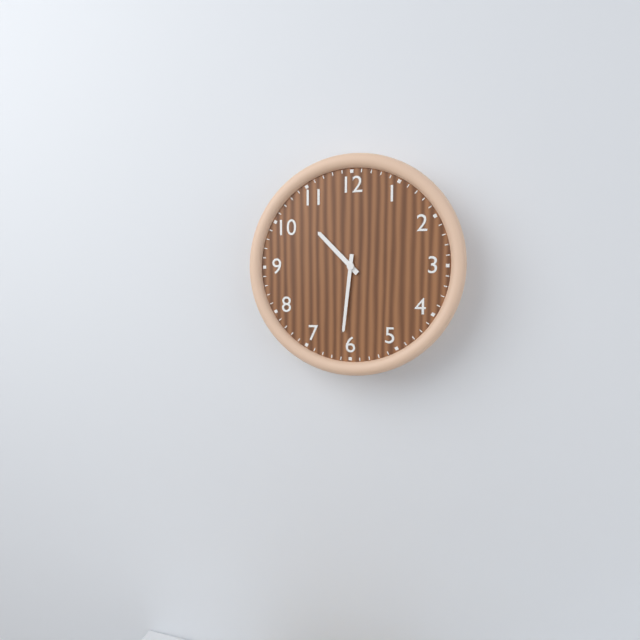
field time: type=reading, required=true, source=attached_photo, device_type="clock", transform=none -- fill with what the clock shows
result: 10:31
